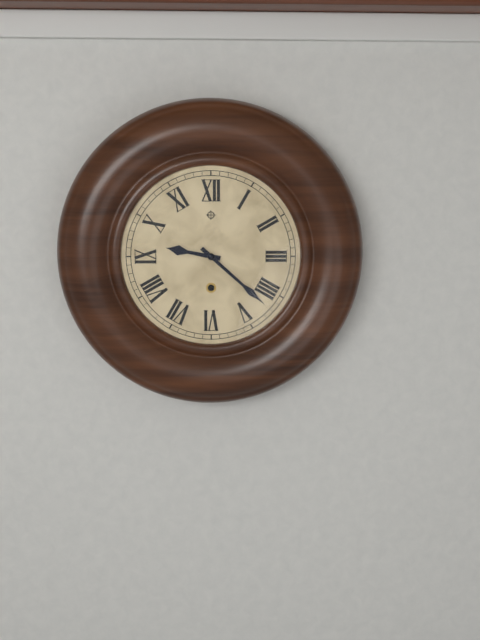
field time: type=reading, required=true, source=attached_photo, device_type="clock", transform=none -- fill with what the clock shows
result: 9:22
